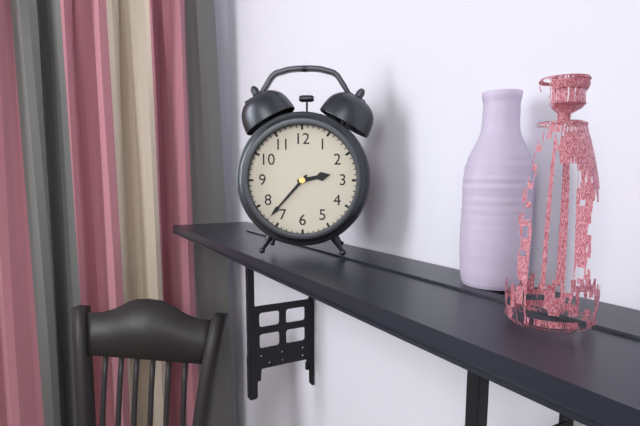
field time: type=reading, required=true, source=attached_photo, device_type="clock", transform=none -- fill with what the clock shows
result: 2:37
